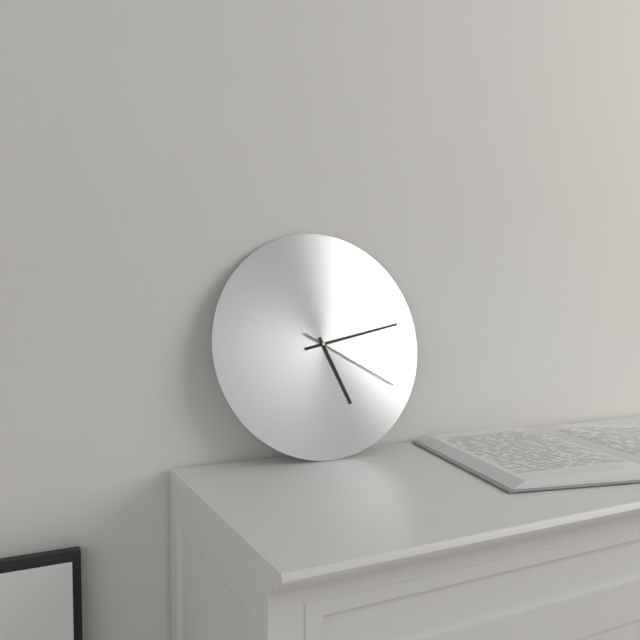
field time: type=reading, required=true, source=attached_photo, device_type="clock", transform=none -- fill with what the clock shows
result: 5:13:20
